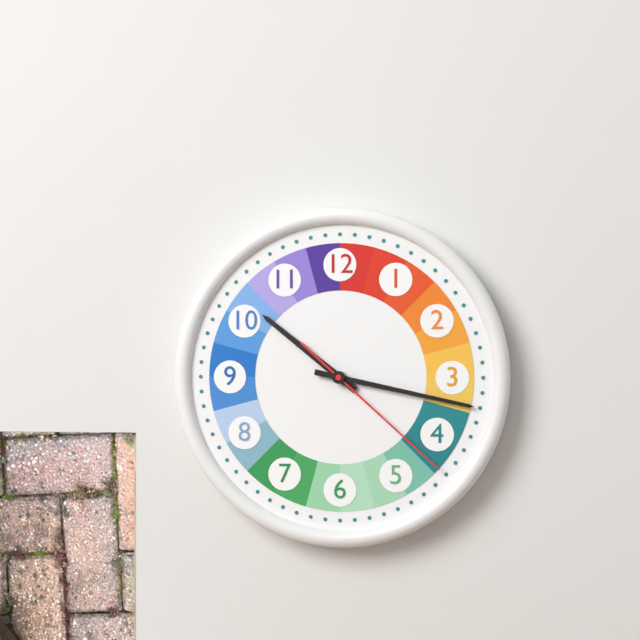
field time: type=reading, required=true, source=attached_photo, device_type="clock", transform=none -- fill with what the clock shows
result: 10:17:22
